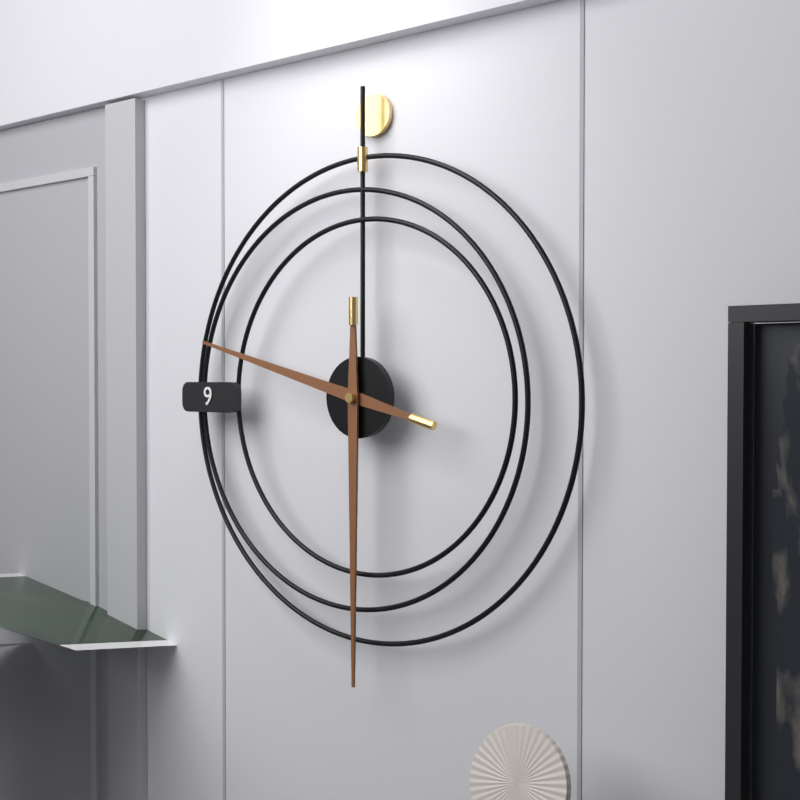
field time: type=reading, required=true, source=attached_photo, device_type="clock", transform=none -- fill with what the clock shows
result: 9:30
